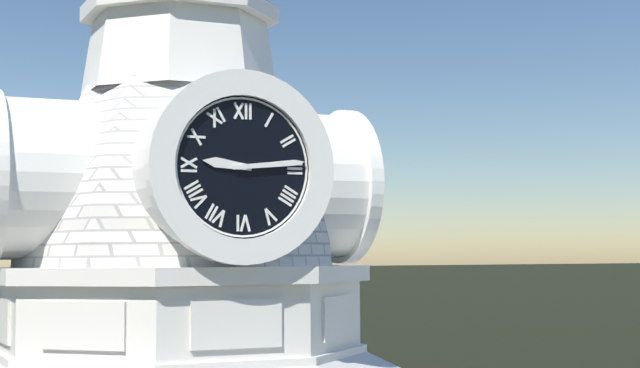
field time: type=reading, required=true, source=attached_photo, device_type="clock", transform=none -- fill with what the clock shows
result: 9:14
